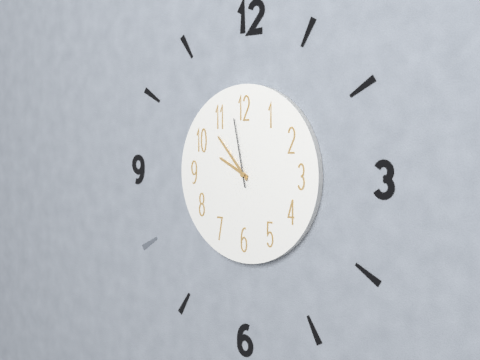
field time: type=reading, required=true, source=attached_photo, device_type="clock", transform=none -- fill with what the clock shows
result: 9:53:58
